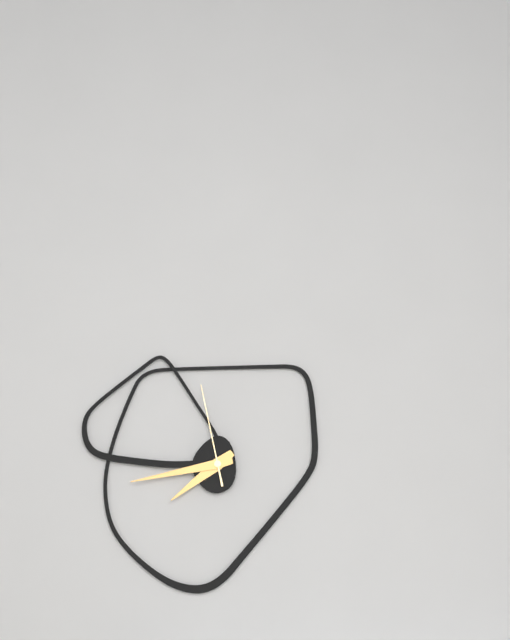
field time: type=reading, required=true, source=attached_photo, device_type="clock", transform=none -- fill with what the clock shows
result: 7:43:58
